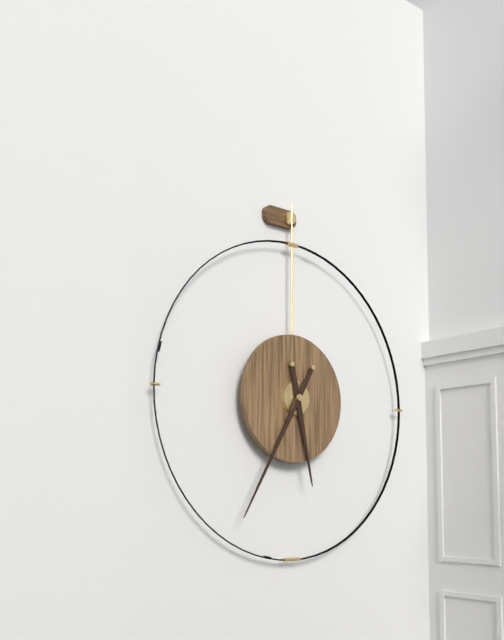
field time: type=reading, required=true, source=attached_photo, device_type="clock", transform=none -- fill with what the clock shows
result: 5:35
